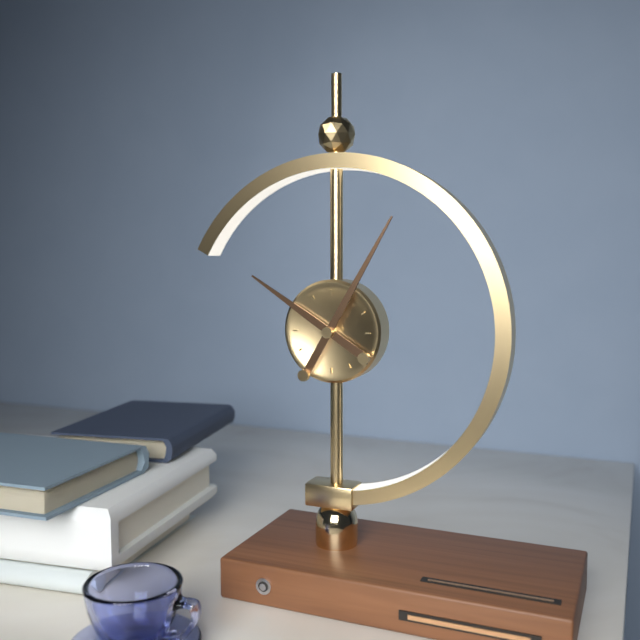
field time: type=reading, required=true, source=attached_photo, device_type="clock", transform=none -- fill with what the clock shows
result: 10:05
